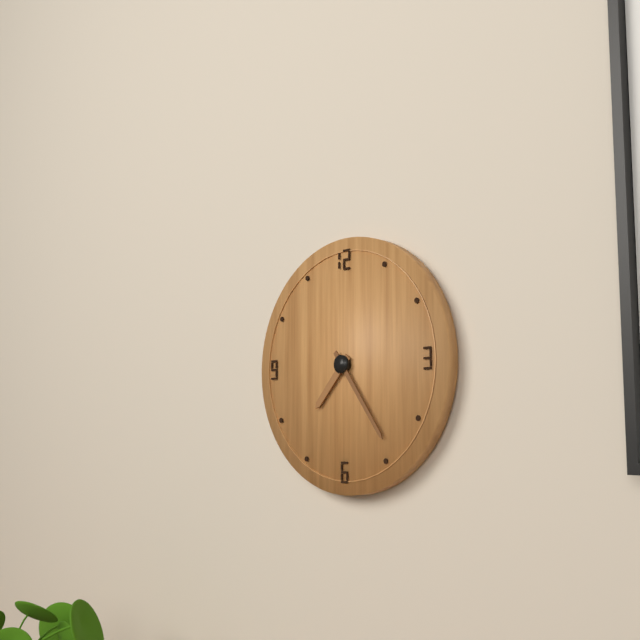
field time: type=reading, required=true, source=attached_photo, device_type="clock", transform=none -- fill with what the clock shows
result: 7:24
